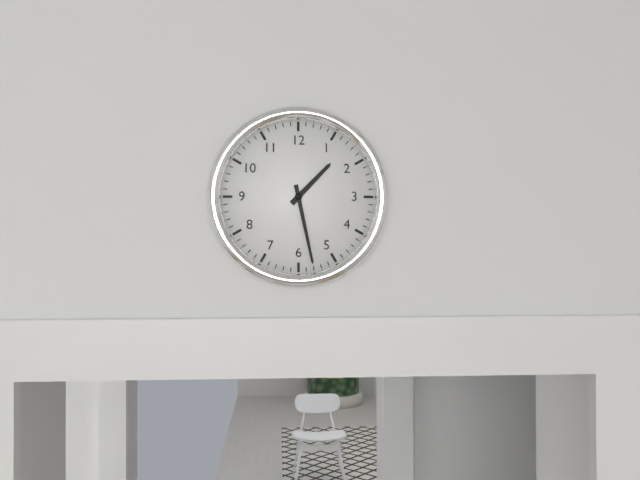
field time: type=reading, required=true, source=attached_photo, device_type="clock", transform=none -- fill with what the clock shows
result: 1:28
